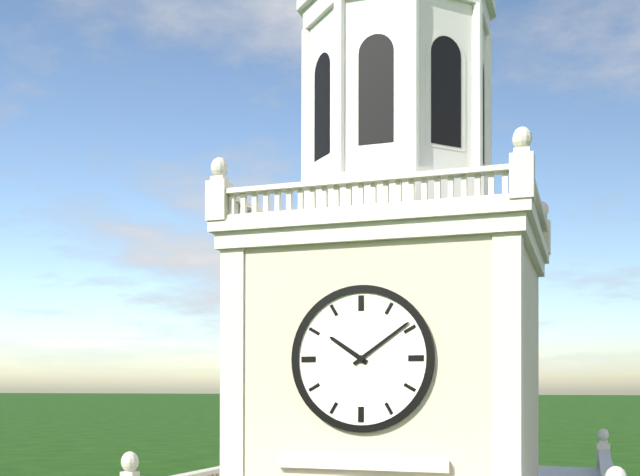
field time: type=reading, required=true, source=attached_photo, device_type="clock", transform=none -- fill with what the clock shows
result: 10:09
